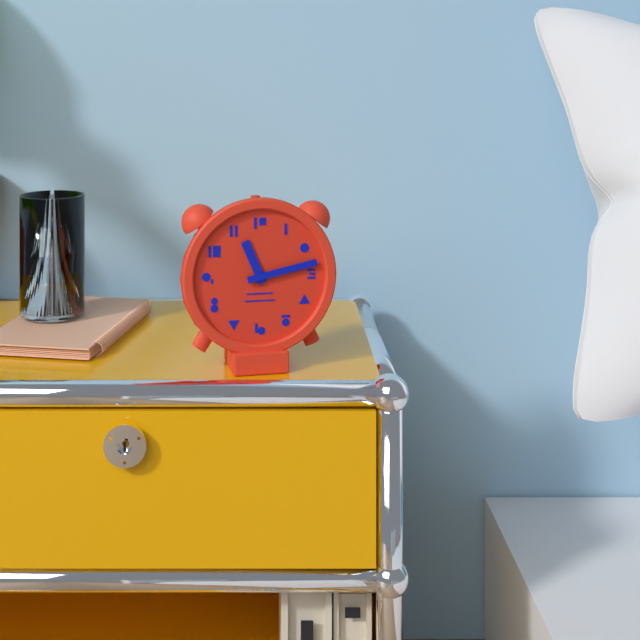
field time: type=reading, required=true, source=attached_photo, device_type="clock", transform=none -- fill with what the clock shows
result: 11:13
